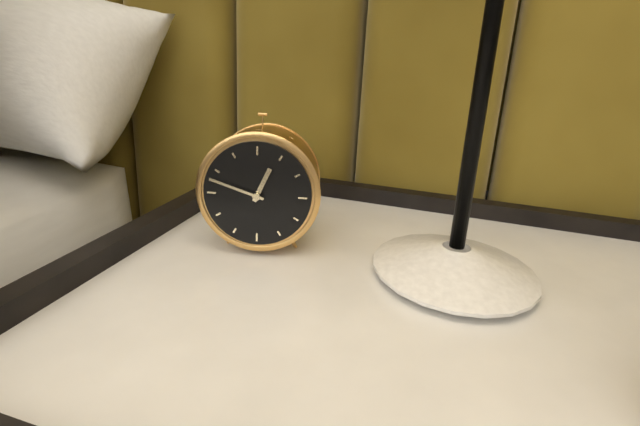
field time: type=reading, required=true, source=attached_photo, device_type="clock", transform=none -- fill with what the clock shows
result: 12:48
